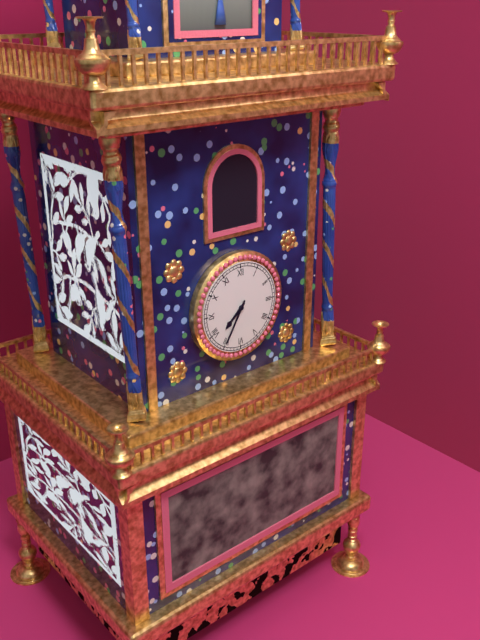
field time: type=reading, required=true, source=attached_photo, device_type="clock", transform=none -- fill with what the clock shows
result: 7:35
